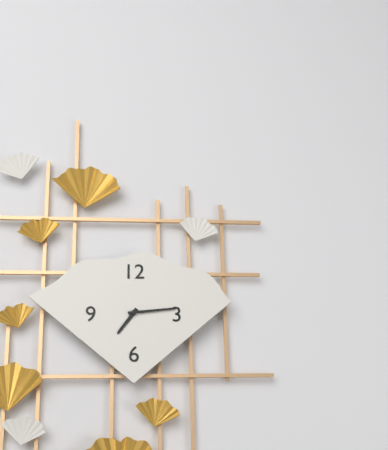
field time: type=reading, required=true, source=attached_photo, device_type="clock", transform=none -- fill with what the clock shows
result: 7:14
